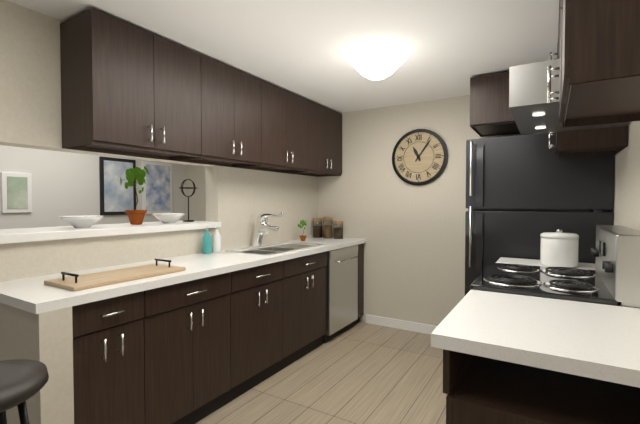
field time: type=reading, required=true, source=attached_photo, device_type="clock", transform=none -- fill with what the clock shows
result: 11:06
